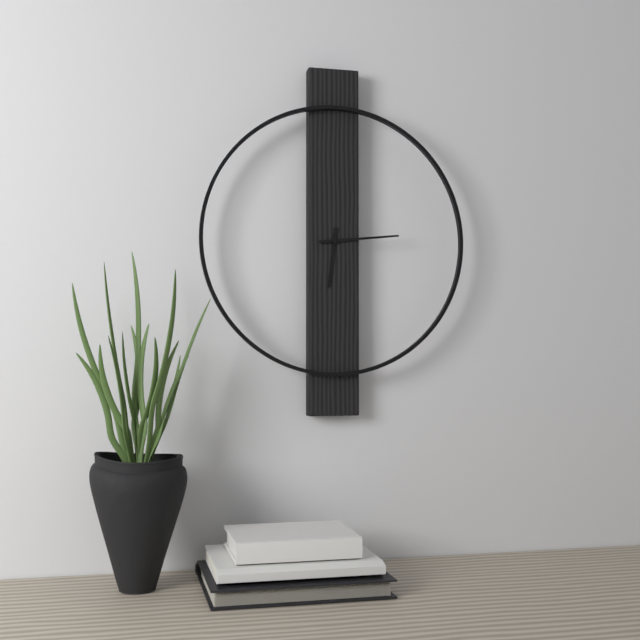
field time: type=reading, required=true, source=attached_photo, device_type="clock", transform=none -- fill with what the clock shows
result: 6:14
